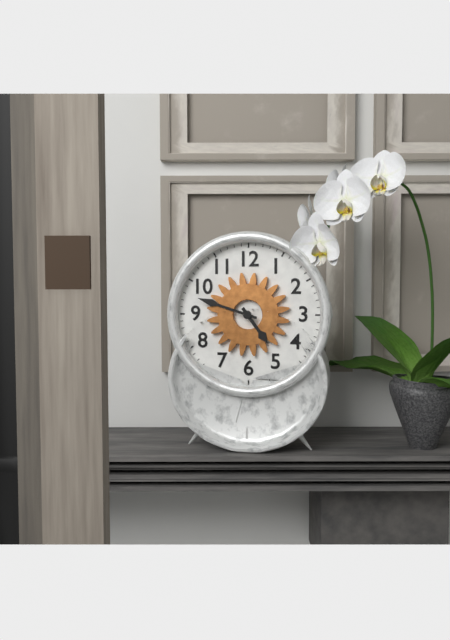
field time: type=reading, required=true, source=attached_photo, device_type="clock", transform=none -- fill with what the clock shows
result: 4:48
